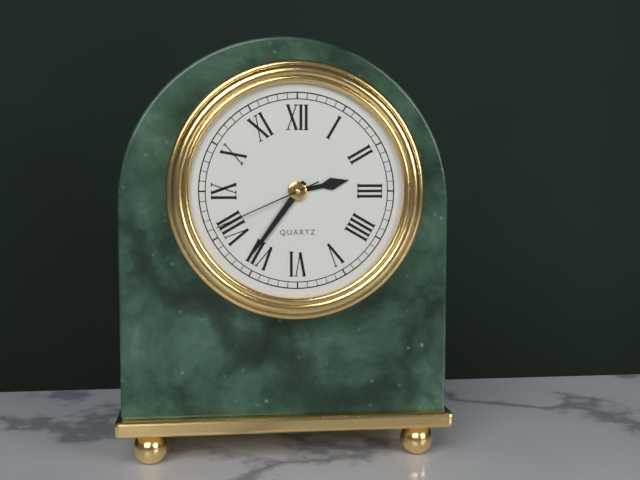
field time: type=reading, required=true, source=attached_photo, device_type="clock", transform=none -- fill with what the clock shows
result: 2:36:41
